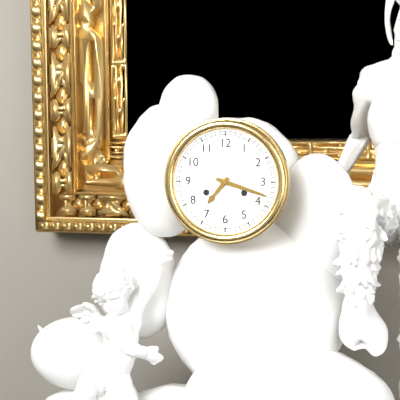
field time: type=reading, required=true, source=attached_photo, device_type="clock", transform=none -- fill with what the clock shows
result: 7:18
